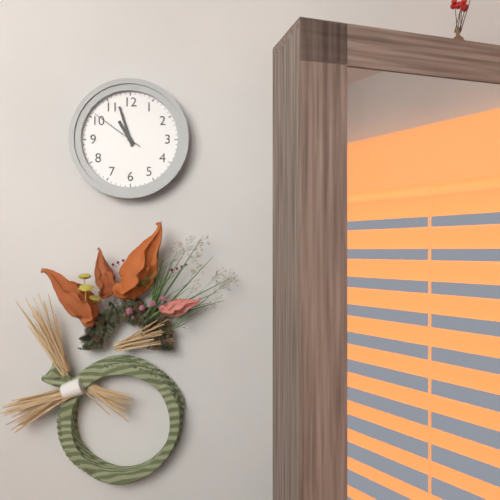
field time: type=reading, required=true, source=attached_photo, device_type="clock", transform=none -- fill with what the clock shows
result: 10:57:51
